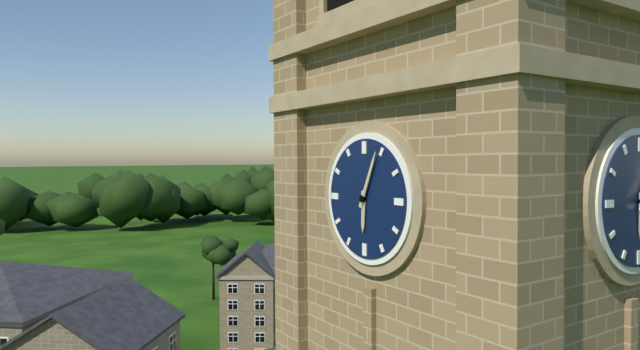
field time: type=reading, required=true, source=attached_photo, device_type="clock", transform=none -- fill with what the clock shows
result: 6:04
